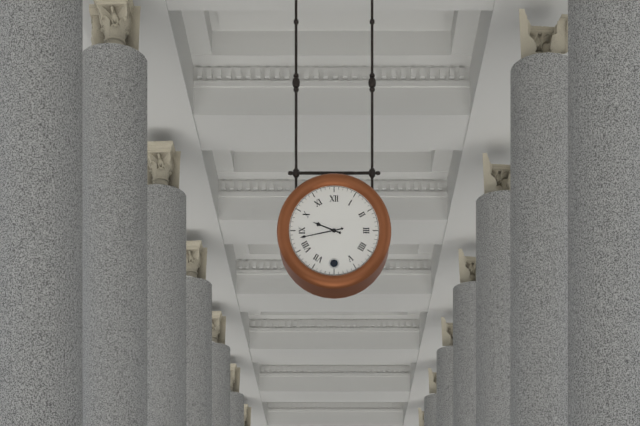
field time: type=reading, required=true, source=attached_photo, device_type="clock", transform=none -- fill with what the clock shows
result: 9:43
